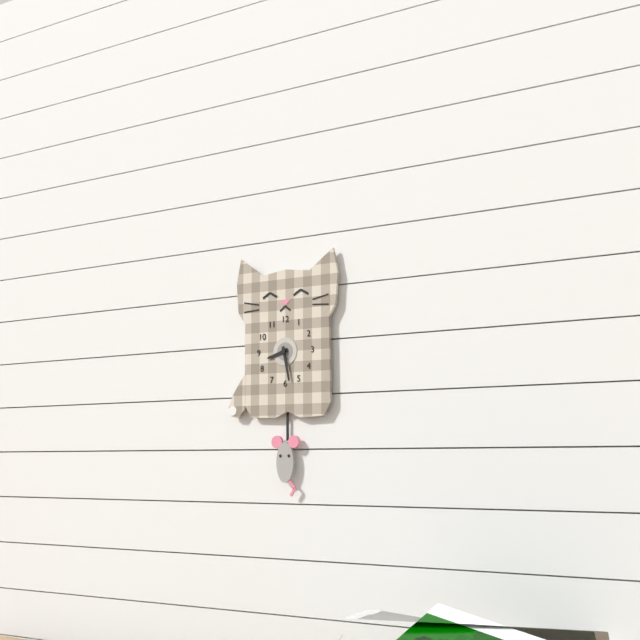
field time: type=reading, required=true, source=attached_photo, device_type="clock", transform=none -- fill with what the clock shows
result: 8:28
